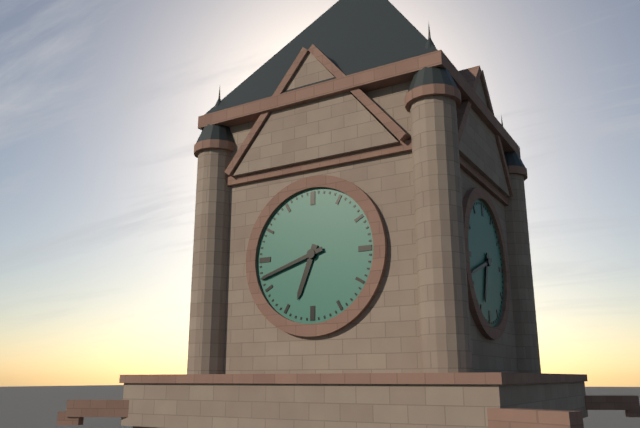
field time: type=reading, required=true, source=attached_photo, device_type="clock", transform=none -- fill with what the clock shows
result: 6:42
